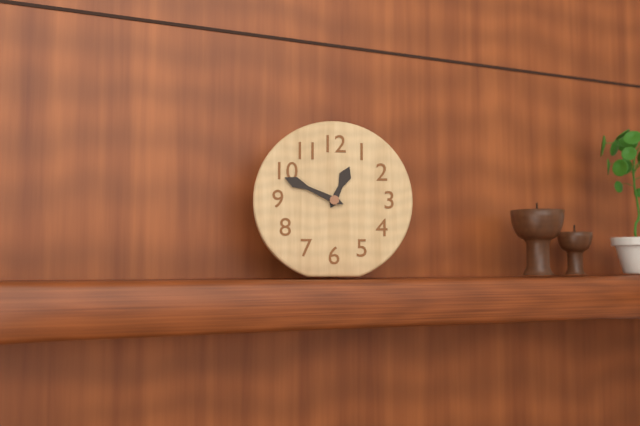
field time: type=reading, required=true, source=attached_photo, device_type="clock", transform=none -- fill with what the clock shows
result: 12:49
